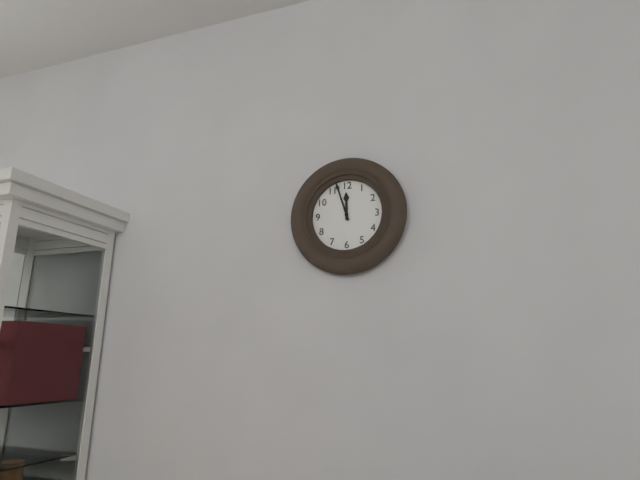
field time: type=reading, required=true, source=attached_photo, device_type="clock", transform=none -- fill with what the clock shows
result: 11:57
